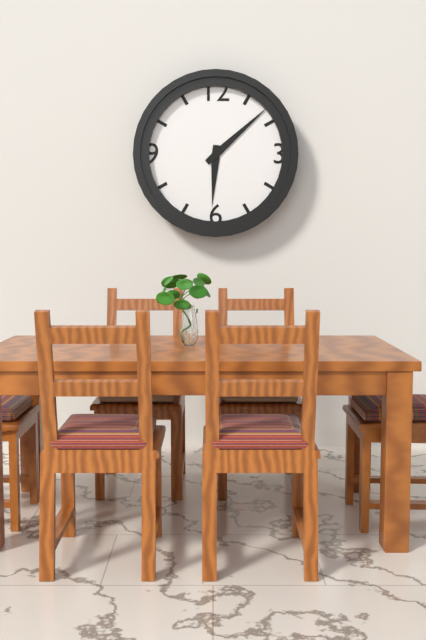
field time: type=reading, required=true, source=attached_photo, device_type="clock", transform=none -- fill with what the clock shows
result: 6:08
